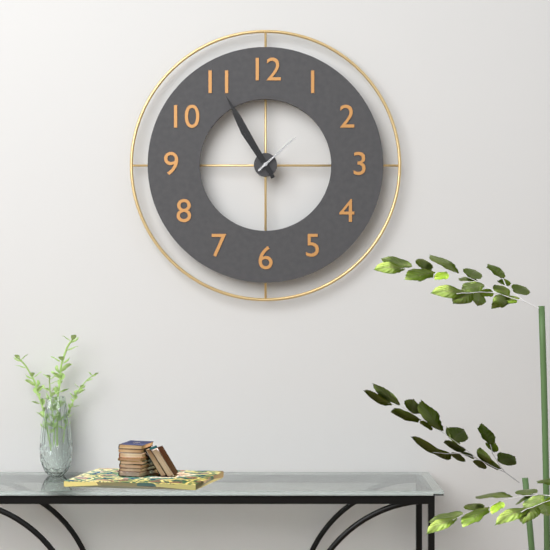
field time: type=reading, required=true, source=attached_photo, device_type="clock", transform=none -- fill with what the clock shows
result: 10:55:08
